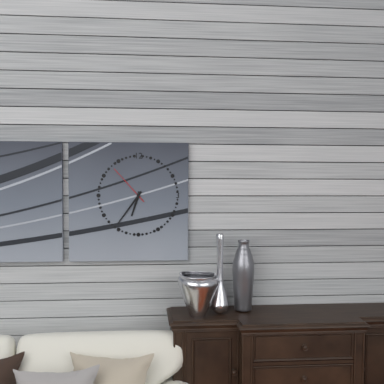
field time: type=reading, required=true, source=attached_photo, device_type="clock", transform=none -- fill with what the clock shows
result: 6:36
